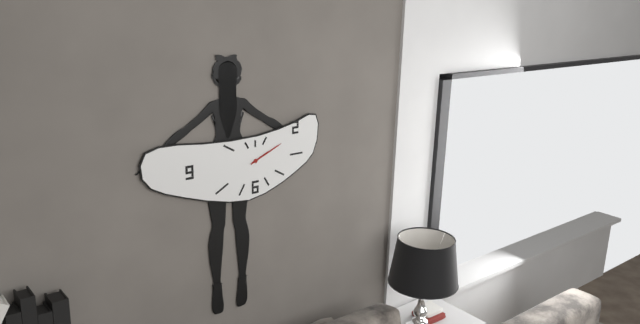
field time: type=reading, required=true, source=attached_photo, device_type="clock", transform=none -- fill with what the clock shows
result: 2:11
